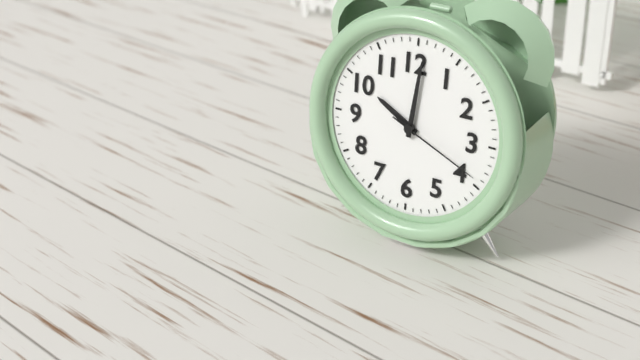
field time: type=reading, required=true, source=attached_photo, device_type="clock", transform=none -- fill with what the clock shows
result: 10:01:19
